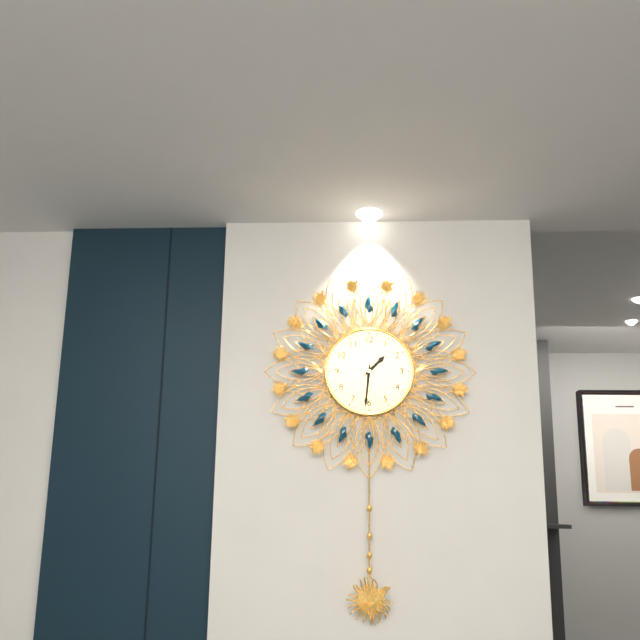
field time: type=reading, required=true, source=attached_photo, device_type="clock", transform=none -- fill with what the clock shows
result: 1:31
